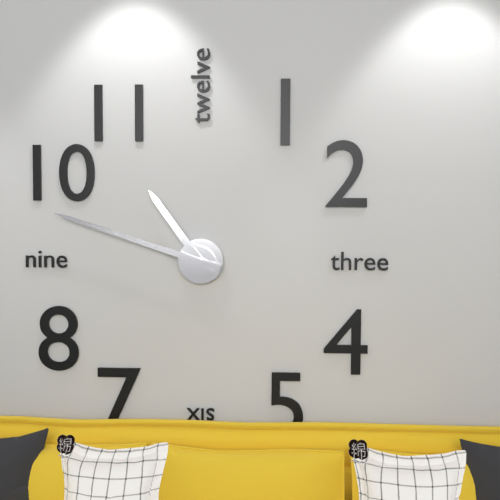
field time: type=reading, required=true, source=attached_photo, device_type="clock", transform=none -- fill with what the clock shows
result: 10:48
